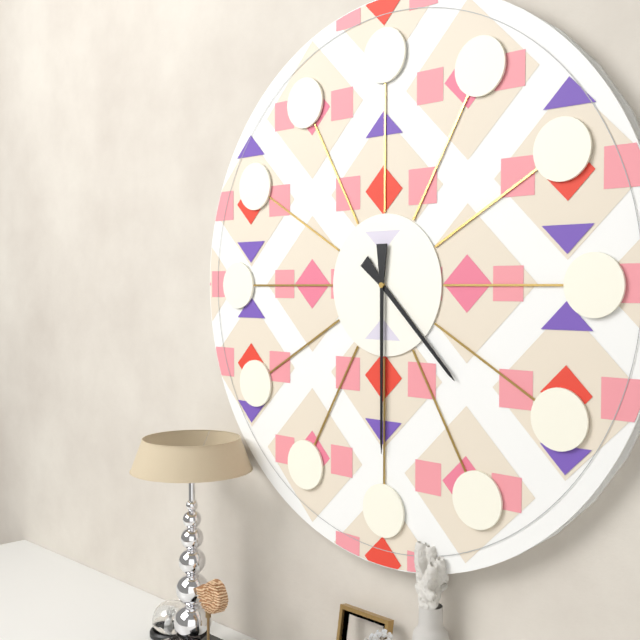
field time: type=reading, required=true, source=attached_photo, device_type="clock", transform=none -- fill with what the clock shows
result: 4:30
